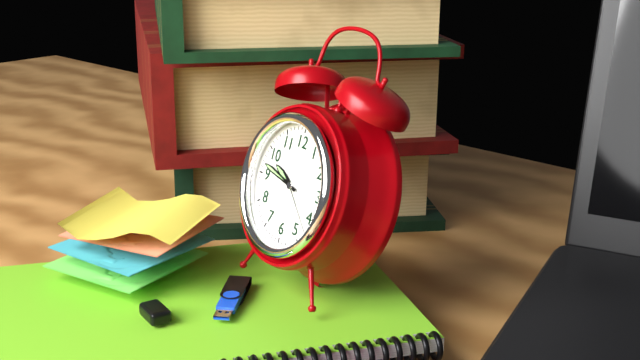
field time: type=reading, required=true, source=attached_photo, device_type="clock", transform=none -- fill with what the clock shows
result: 9:47:22
